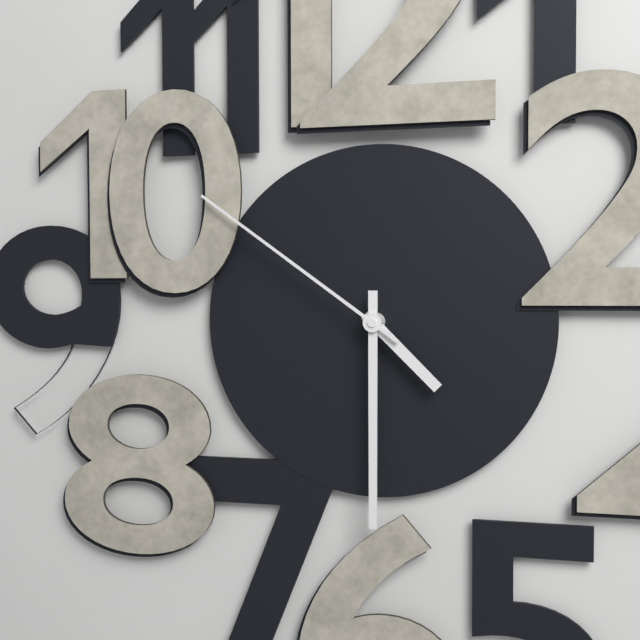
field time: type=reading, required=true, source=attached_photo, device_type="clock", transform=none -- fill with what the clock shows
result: 4:30:51
